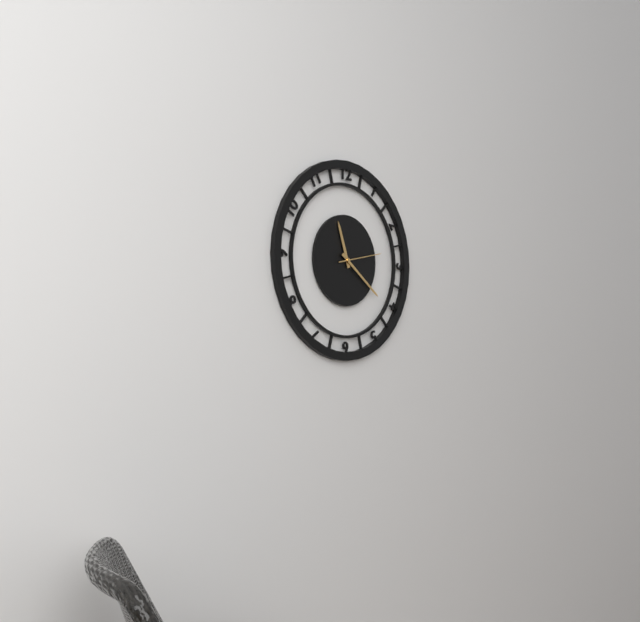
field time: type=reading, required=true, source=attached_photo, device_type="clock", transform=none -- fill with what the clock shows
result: 11:21
